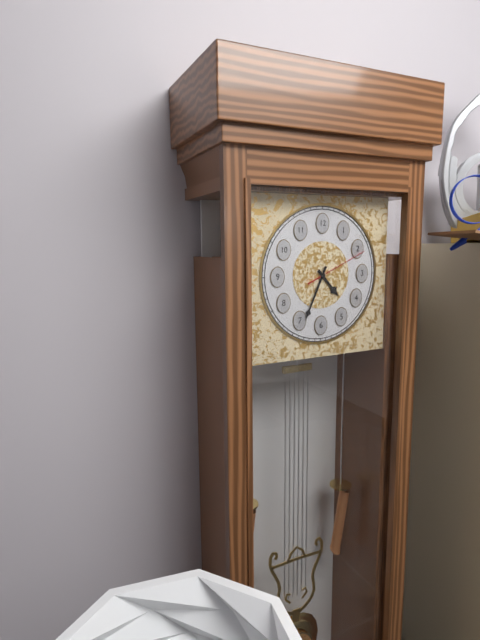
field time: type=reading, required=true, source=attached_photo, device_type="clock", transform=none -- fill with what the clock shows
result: 4:34:11
